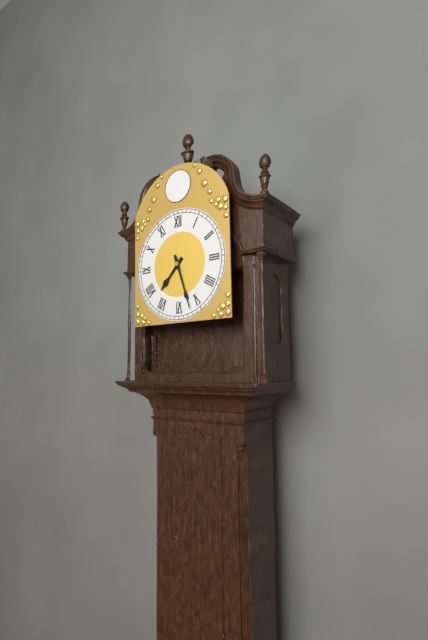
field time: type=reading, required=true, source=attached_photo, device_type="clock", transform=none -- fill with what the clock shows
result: 7:27
